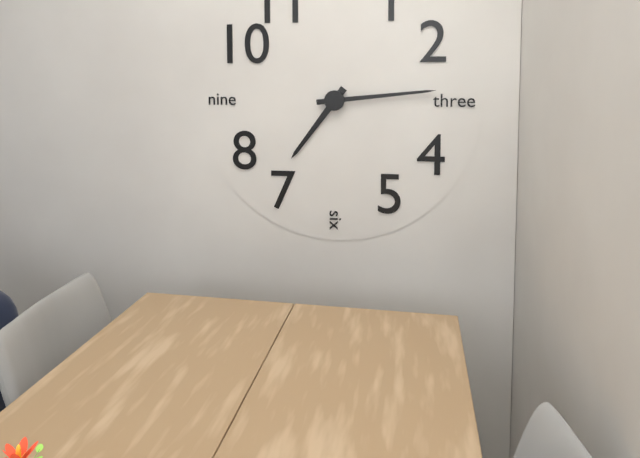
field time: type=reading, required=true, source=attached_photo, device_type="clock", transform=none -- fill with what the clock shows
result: 7:14
